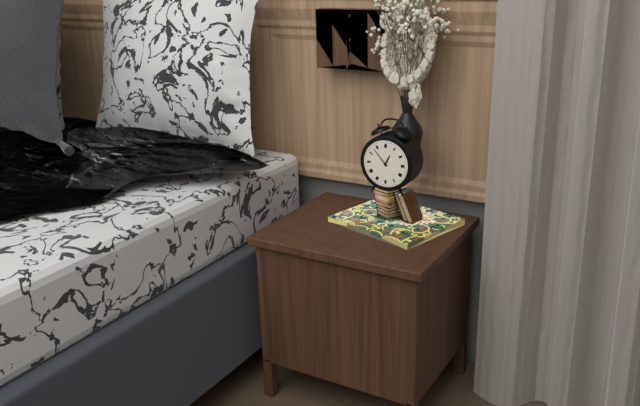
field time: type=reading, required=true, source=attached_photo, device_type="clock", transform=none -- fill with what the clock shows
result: 12:53
